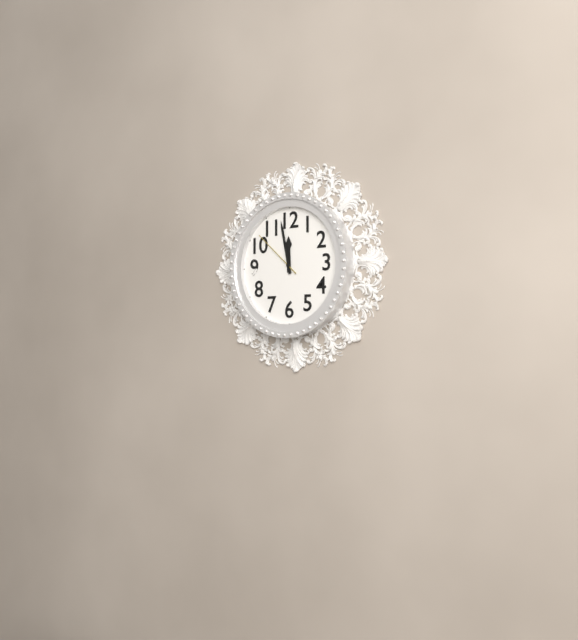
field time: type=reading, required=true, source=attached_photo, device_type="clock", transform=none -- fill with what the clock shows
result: 11:58:52
